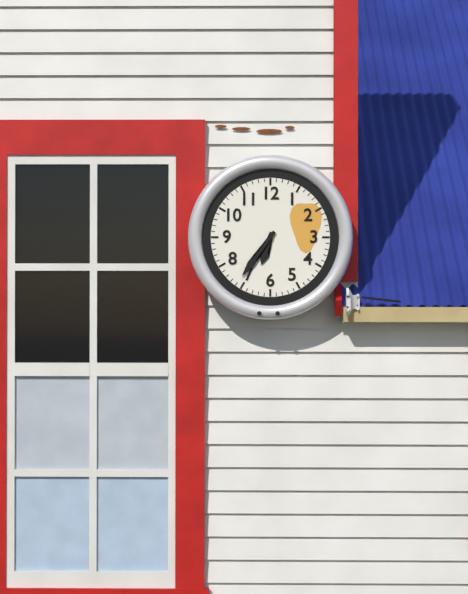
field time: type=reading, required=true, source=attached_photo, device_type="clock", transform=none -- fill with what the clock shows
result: 6:36
